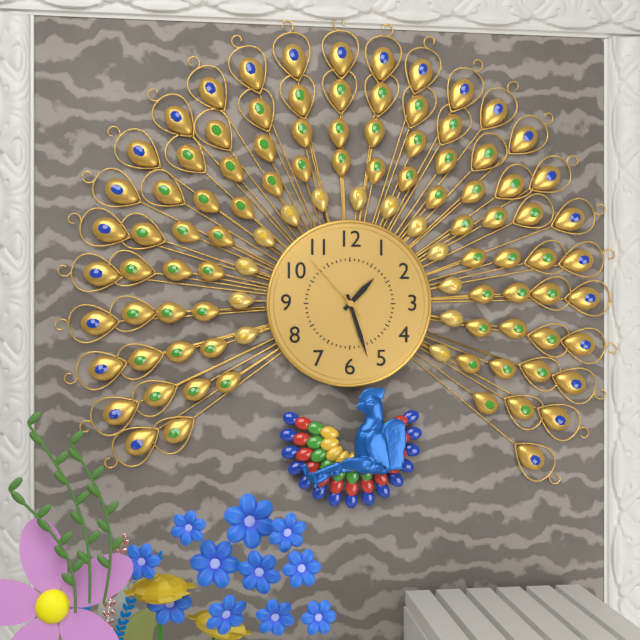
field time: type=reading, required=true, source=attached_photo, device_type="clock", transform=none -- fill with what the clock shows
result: 1:27:53
